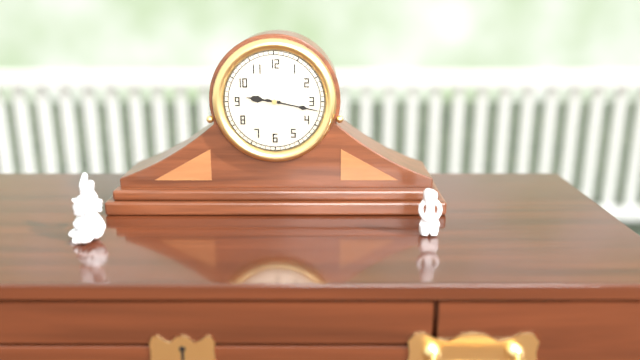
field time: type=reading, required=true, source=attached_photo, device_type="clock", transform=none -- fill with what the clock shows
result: 9:17
